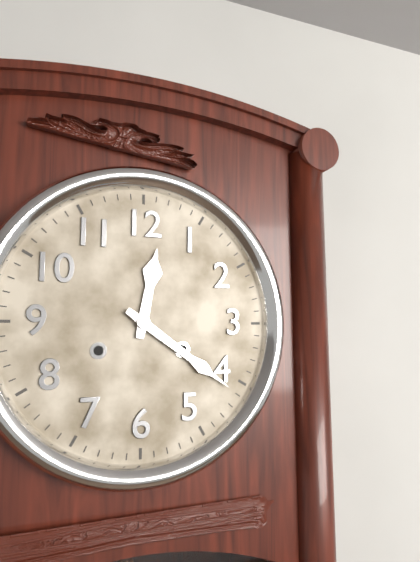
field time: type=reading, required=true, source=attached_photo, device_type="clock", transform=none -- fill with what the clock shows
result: 12:21
